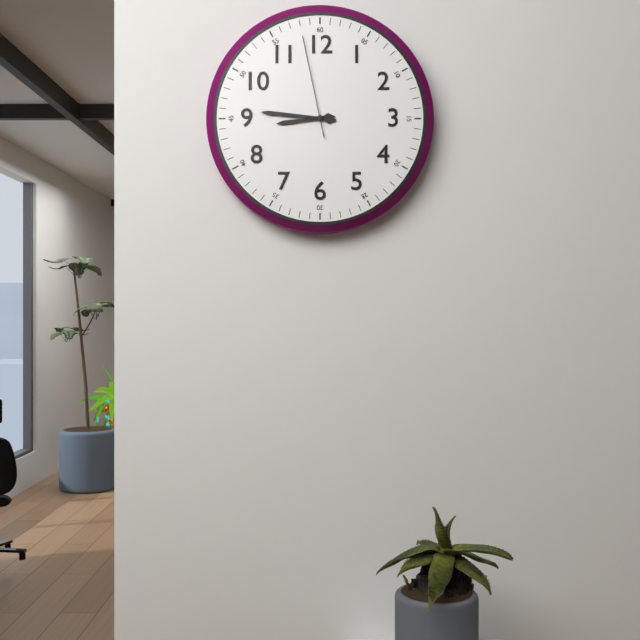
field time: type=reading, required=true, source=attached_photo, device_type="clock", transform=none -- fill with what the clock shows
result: 8:46:58
